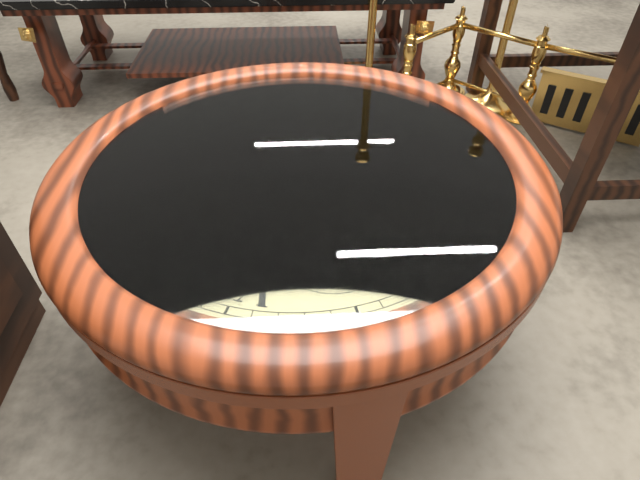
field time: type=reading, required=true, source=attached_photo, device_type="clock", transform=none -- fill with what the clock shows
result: 4:08:41
